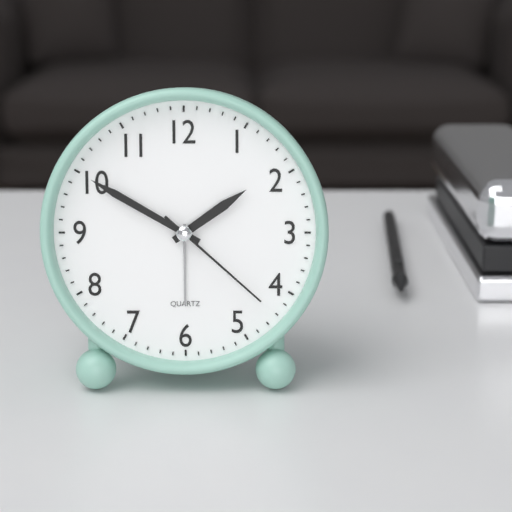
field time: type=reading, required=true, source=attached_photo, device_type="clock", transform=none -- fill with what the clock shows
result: 1:50:22
